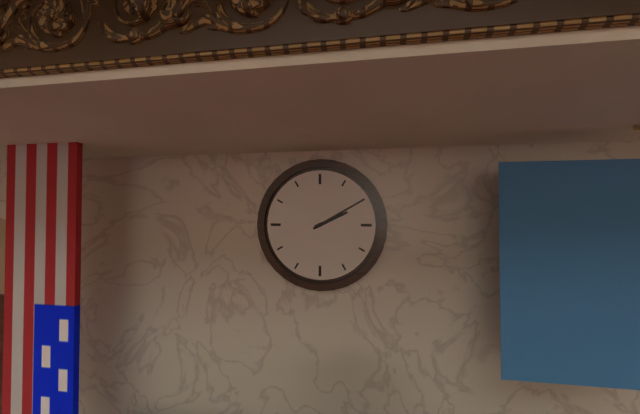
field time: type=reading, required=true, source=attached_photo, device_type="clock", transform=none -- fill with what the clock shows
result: 2:10
